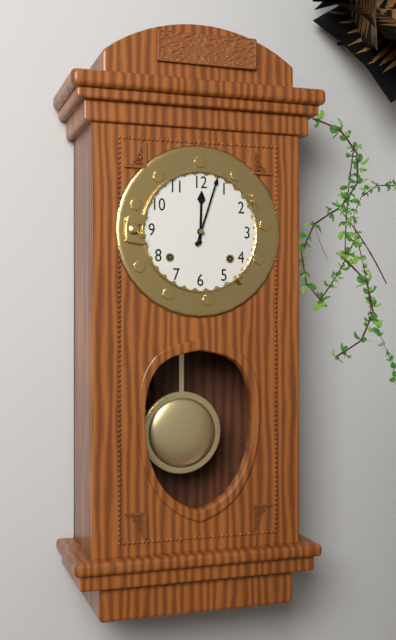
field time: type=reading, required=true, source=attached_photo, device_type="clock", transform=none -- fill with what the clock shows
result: 12:03
